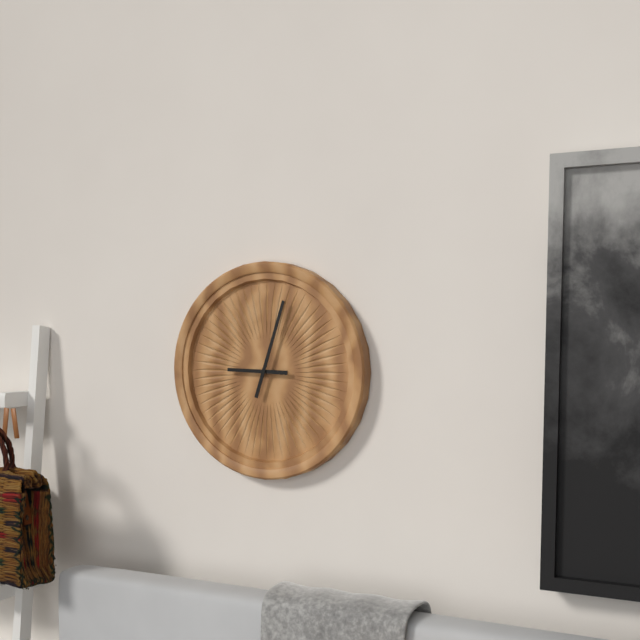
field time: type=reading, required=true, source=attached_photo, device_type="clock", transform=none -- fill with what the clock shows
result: 9:03
